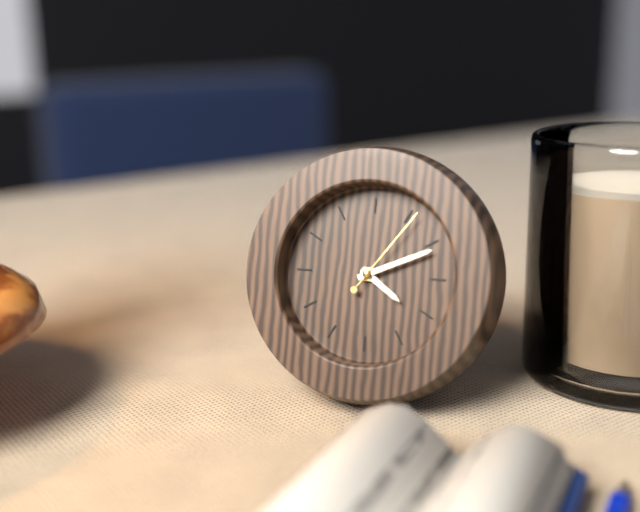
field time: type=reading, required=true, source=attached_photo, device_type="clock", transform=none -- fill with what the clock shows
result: 4:11:06
